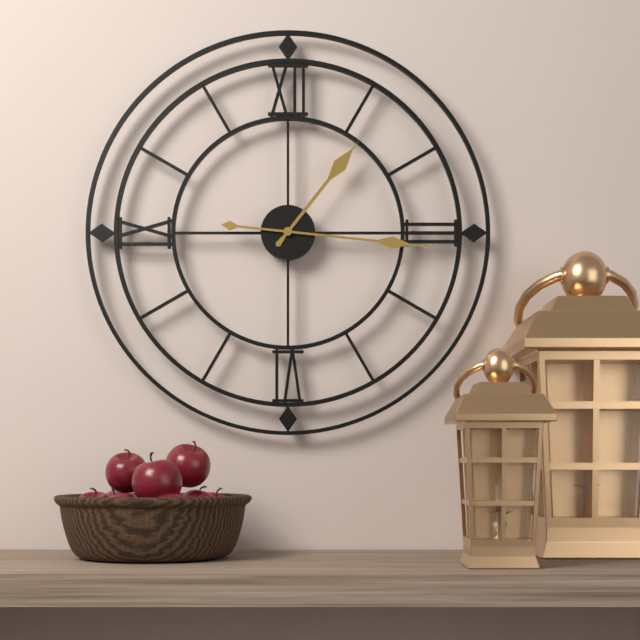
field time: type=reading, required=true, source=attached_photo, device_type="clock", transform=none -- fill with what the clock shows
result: 1:16
